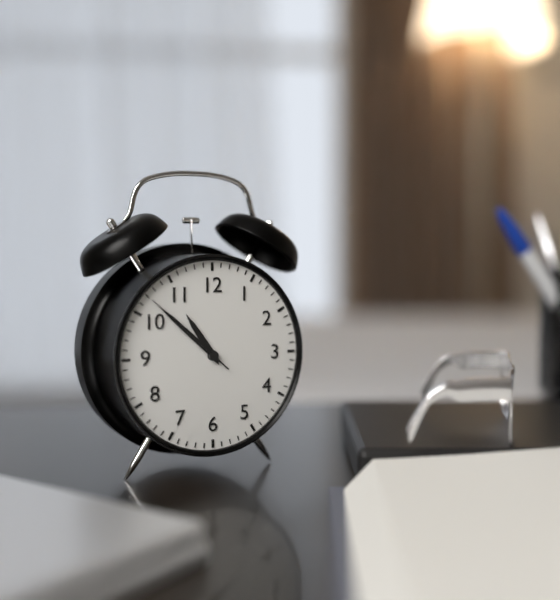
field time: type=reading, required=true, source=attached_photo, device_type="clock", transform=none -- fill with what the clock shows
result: 10:52:52
